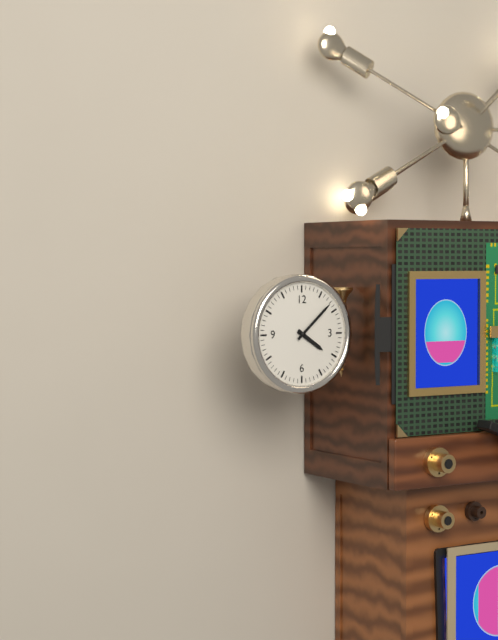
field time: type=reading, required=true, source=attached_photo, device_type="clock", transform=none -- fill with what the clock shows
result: 4:08
